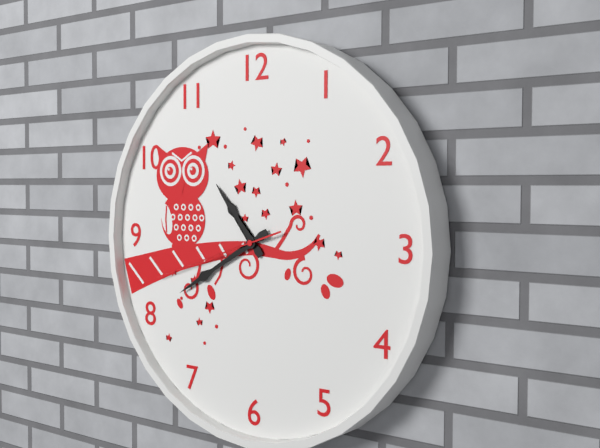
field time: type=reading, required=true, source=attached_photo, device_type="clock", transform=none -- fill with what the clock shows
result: 10:40:42
